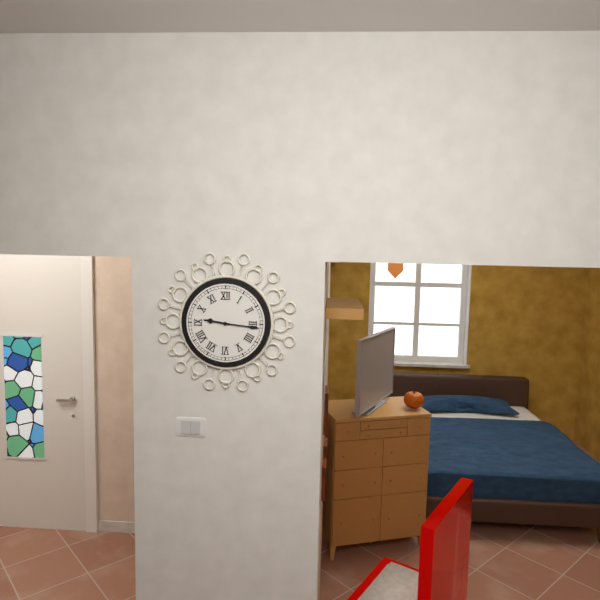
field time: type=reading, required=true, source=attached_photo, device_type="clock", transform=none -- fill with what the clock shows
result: 9:16
